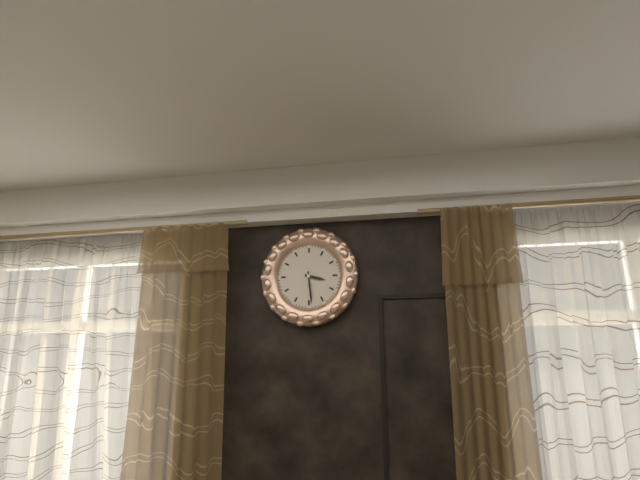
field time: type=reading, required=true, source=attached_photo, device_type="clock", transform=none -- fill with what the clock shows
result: 3:29
